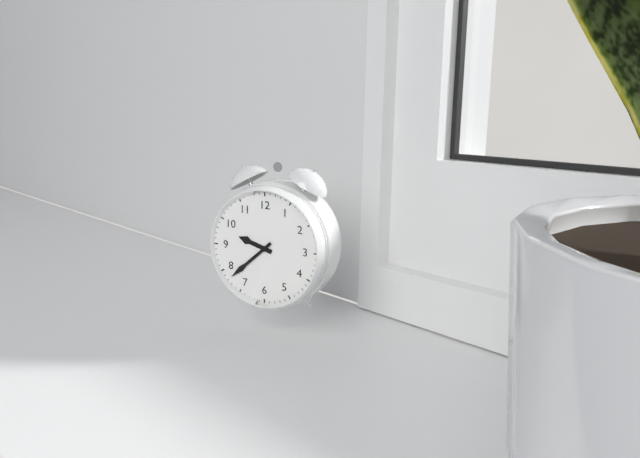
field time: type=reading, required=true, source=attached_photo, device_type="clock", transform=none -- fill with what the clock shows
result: 9:38
